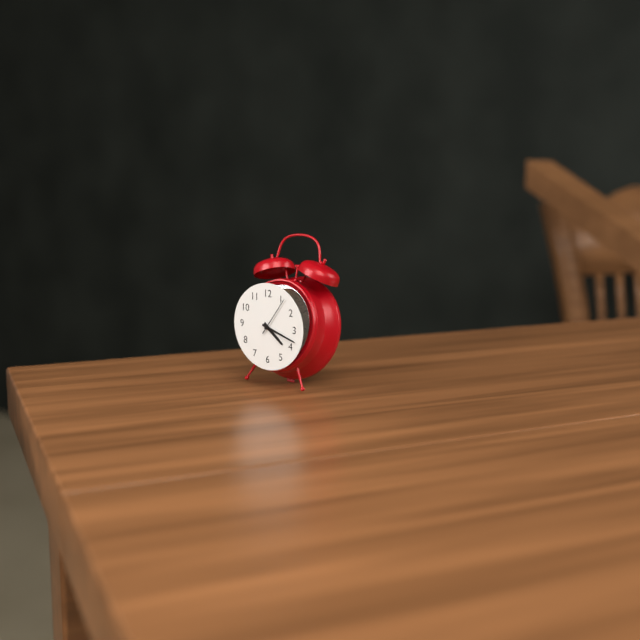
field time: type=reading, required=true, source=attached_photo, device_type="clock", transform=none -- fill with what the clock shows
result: 4:18
